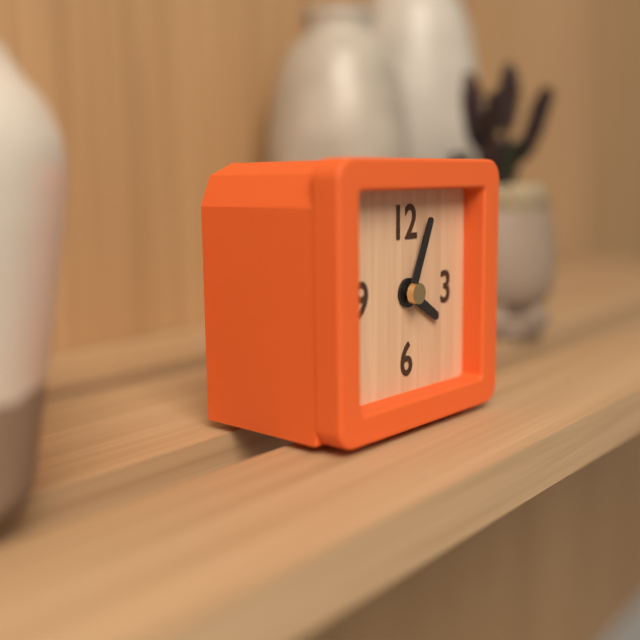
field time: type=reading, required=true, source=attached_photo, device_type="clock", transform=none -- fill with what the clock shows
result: 4:04
